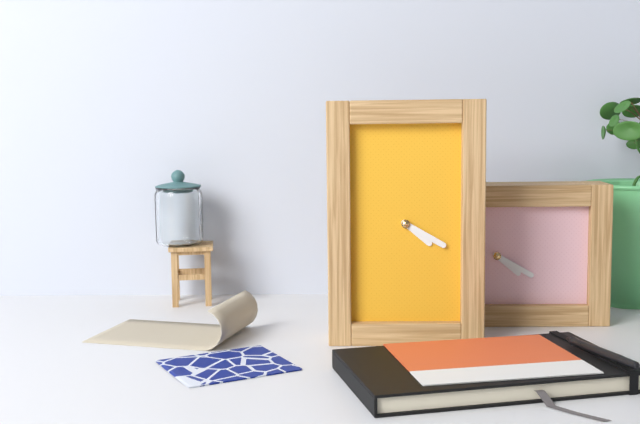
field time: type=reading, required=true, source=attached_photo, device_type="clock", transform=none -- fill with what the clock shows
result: 4:20
